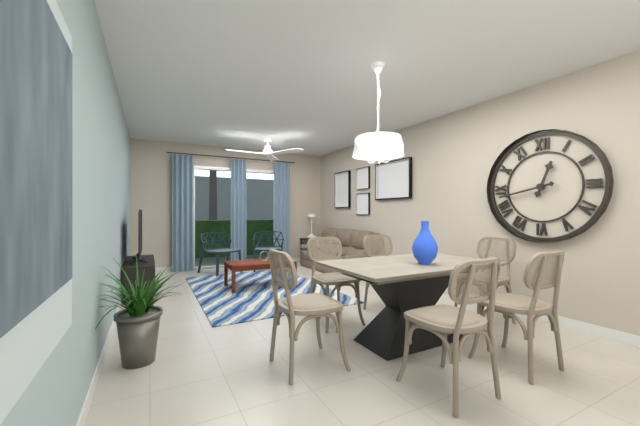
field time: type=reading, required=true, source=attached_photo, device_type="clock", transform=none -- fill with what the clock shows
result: 12:43
